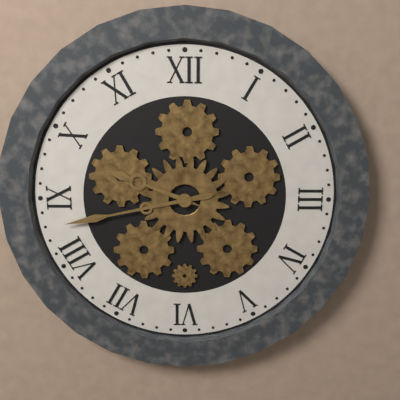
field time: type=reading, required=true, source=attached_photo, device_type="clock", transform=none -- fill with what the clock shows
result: 9:43
